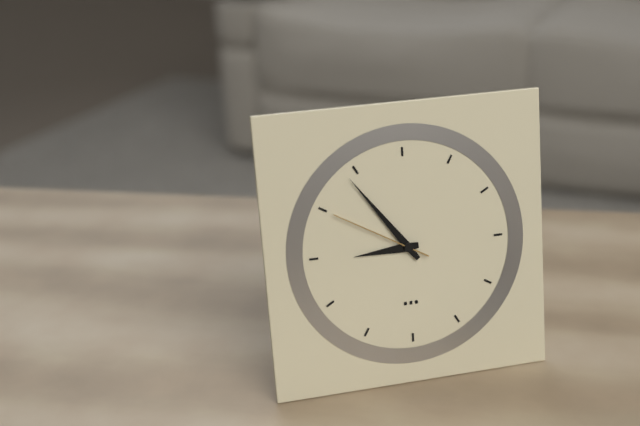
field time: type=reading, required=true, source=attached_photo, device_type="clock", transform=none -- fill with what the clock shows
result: 8:54:50
